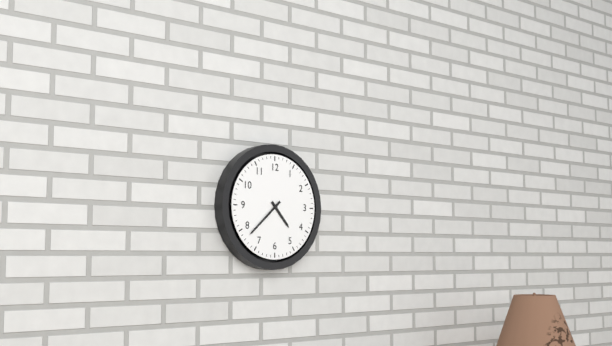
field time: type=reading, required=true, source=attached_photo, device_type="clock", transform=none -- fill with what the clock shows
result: 4:38
